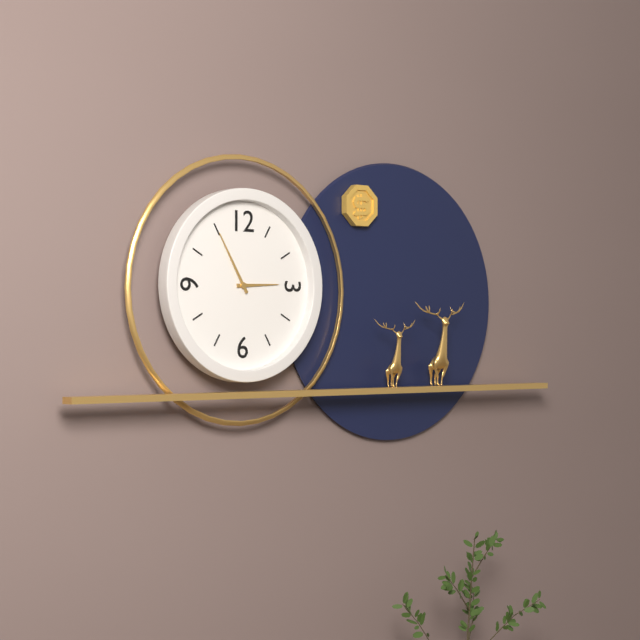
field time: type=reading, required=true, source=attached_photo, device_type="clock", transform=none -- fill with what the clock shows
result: 2:55
